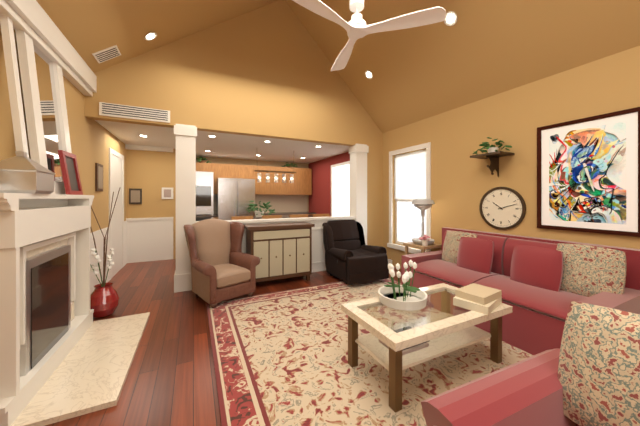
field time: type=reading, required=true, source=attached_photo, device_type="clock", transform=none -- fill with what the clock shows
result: 10:12
